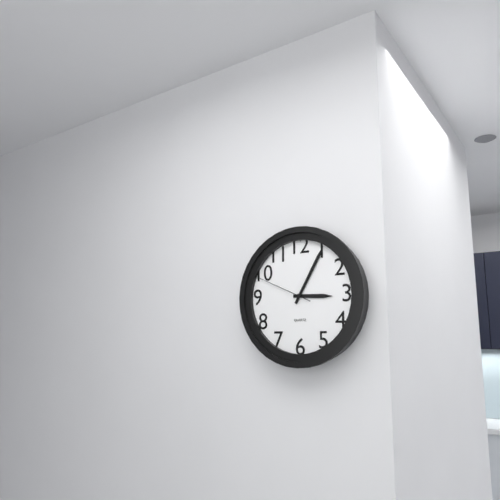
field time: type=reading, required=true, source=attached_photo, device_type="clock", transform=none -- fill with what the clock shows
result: 3:05:49
